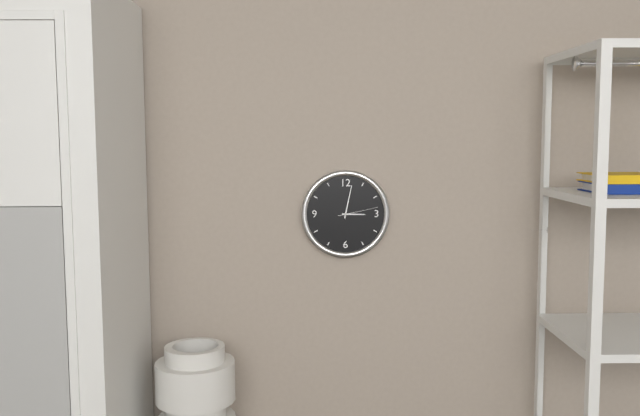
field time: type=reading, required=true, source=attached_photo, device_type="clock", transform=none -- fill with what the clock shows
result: 3:02
